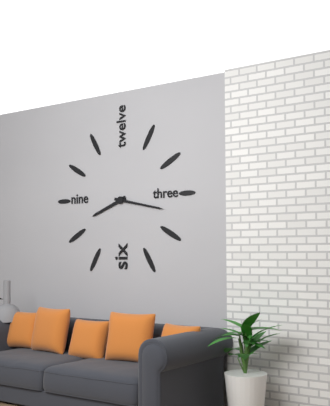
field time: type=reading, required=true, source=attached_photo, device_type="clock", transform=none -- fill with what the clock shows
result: 8:17
